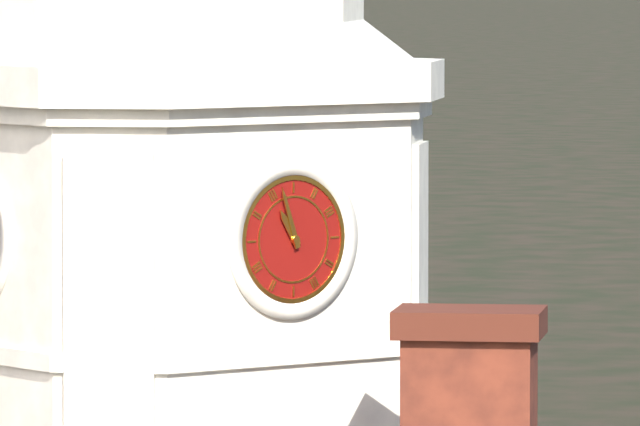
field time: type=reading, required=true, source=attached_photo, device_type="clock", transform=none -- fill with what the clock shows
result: 10:57
